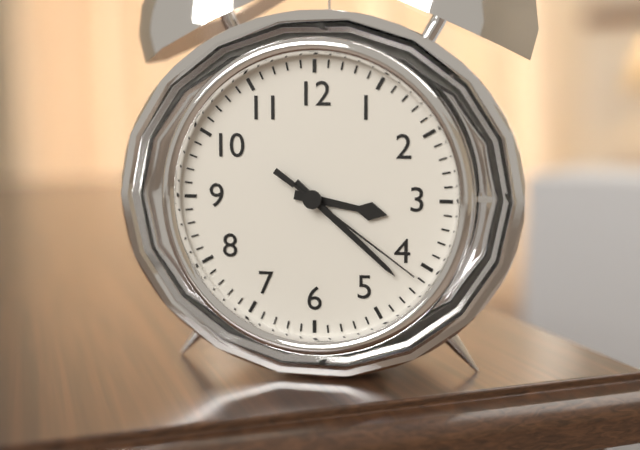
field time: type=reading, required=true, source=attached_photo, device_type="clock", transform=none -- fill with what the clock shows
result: 3:22:21
